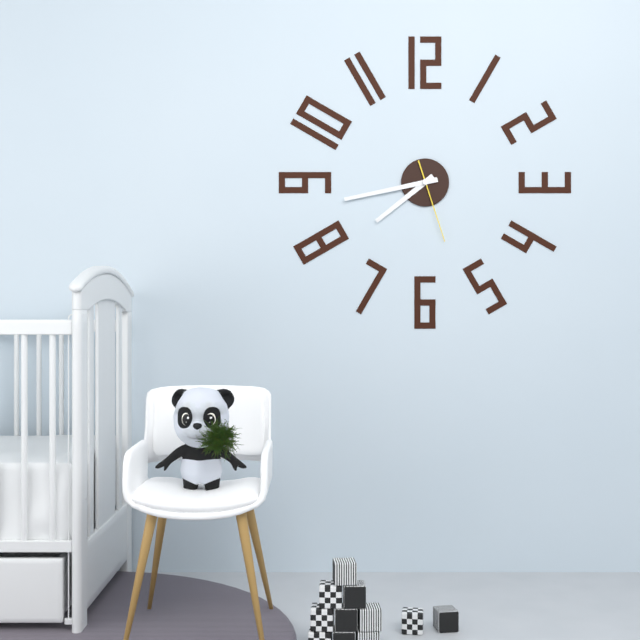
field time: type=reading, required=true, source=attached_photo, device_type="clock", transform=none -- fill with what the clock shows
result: 7:43:27
